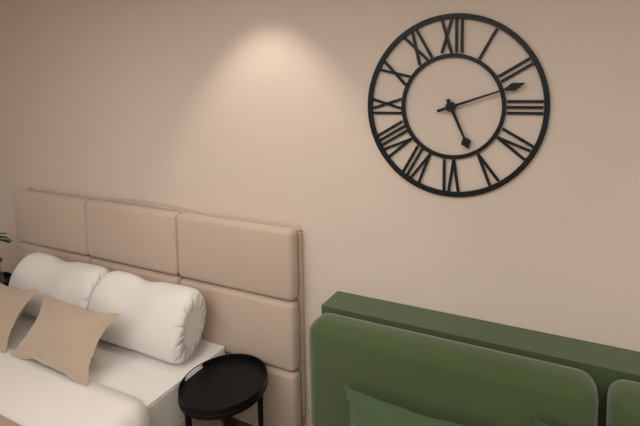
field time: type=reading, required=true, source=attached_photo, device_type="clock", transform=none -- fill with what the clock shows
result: 5:12
